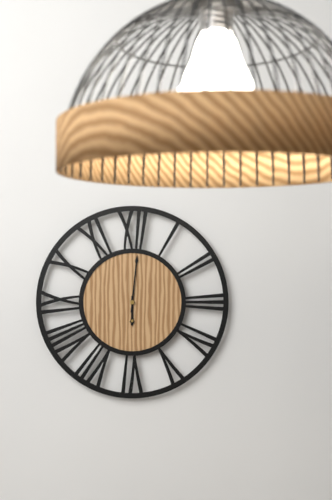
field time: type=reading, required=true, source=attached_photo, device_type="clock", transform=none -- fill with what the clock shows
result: 6:01
